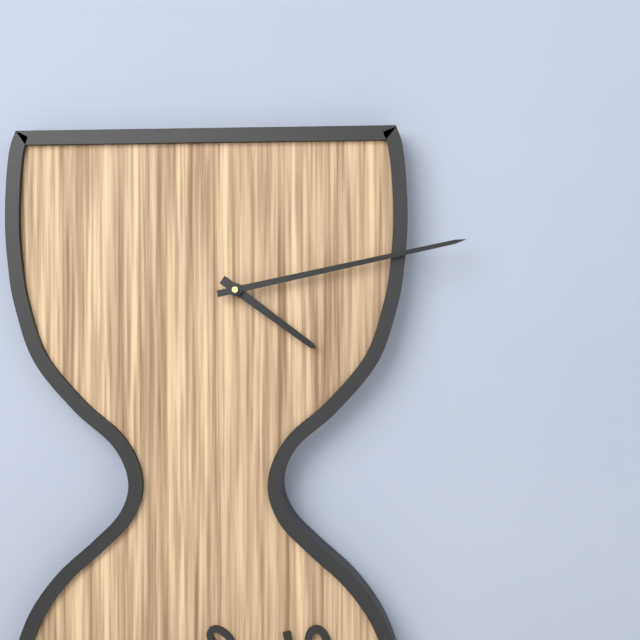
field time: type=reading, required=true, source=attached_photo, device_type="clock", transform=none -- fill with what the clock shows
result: 4:13
